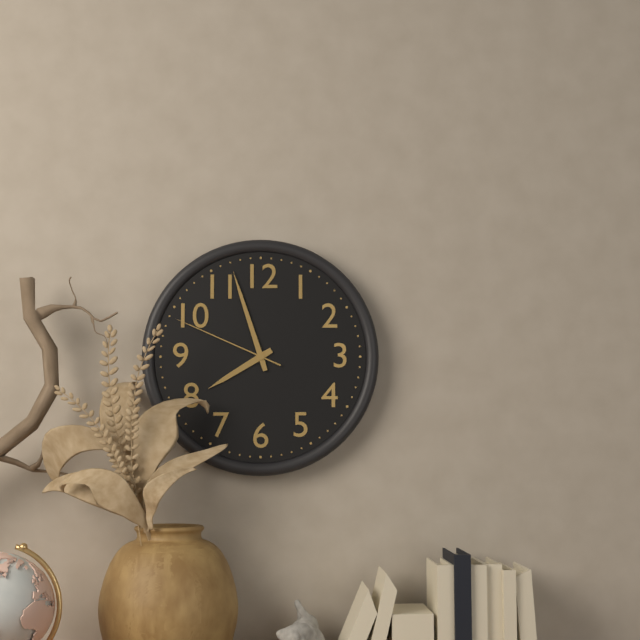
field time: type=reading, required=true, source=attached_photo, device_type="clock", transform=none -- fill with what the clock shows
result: 7:57:49
